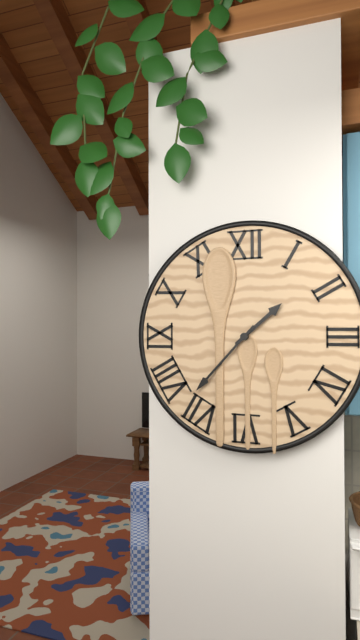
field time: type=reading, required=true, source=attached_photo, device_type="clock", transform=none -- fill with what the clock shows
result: 1:37
